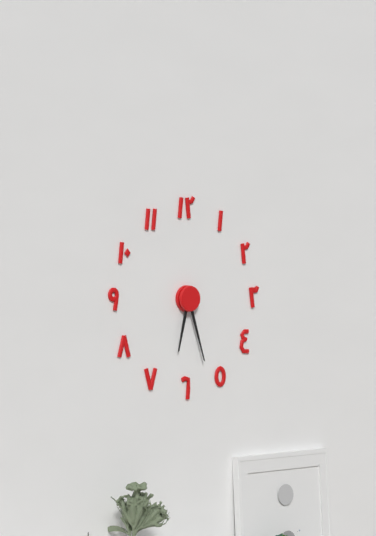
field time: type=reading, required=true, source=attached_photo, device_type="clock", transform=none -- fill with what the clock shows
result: 6:27
